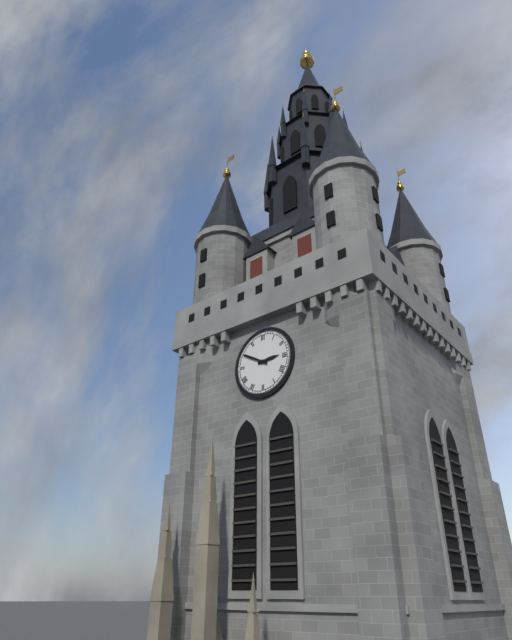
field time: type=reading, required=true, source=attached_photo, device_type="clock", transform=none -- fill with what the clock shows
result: 2:50
